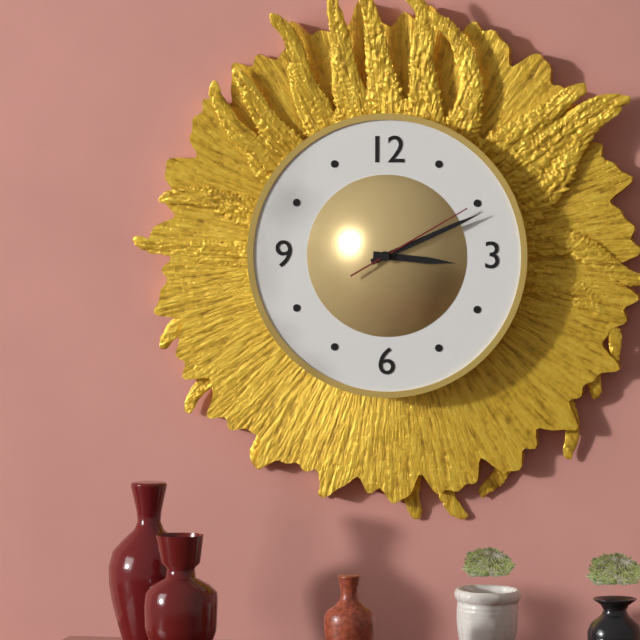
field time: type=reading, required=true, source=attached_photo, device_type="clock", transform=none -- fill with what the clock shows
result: 3:11:10
